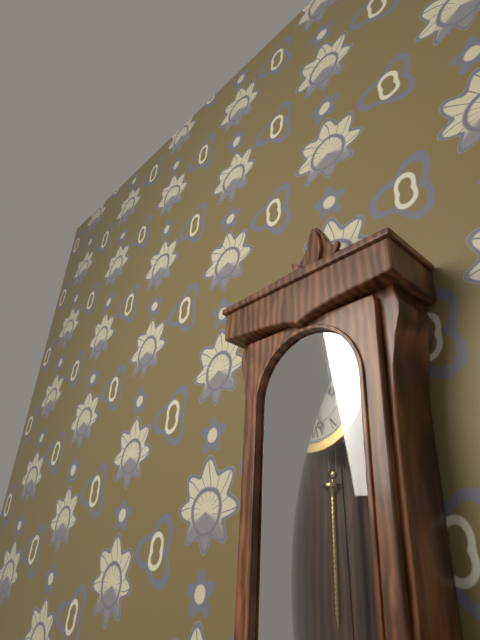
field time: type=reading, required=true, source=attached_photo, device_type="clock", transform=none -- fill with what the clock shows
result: 3:28
